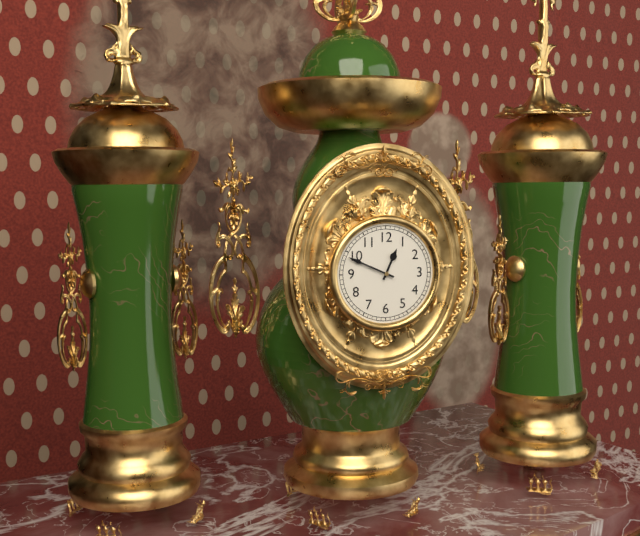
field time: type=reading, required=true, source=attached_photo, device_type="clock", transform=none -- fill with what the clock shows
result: 12:49
